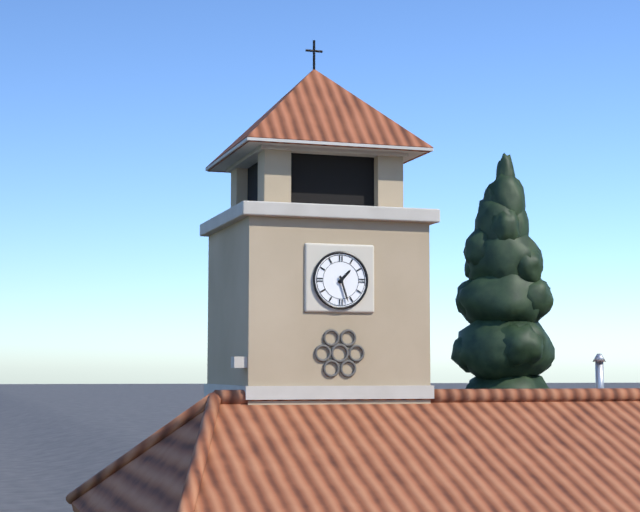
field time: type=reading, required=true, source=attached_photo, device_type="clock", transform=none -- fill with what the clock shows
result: 1:27
